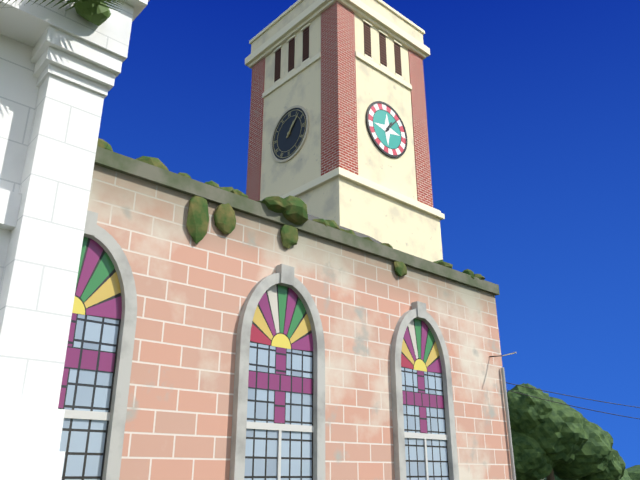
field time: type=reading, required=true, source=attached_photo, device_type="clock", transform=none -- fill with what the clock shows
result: 1:07
